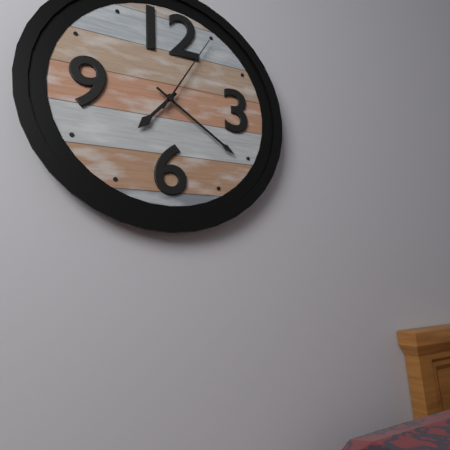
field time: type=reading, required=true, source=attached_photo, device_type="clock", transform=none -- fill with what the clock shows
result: 7:21:05
